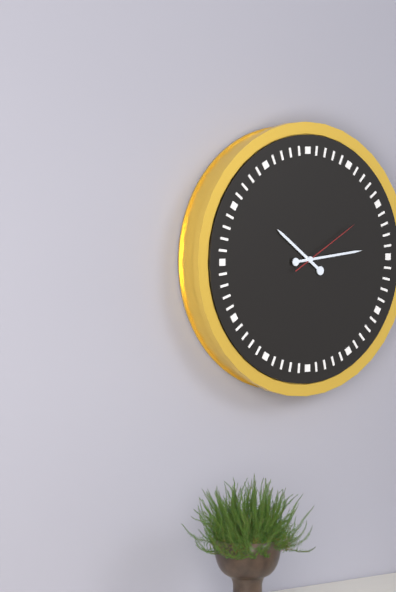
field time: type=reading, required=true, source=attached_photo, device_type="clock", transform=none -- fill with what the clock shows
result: 10:14:10
